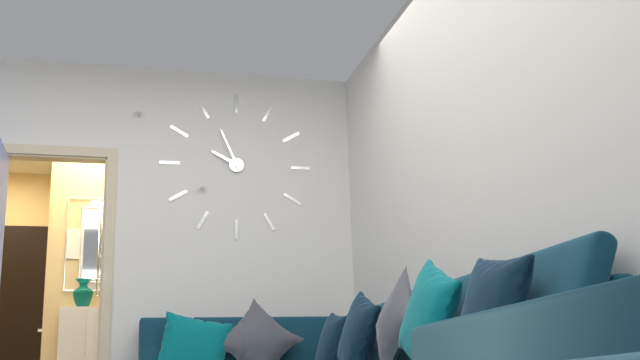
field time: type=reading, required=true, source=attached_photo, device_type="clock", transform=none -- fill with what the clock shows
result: 9:56
